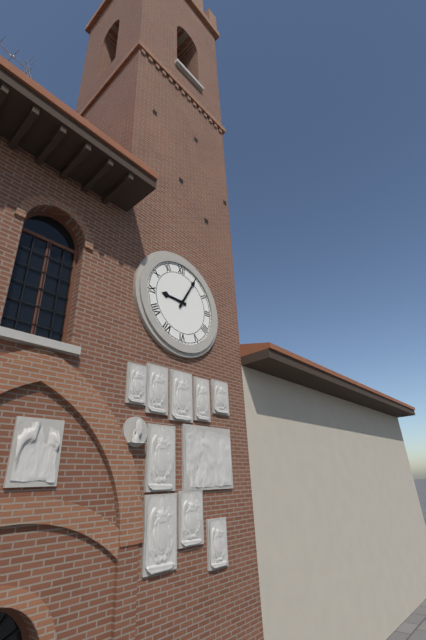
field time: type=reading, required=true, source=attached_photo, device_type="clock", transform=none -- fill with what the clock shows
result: 9:05
